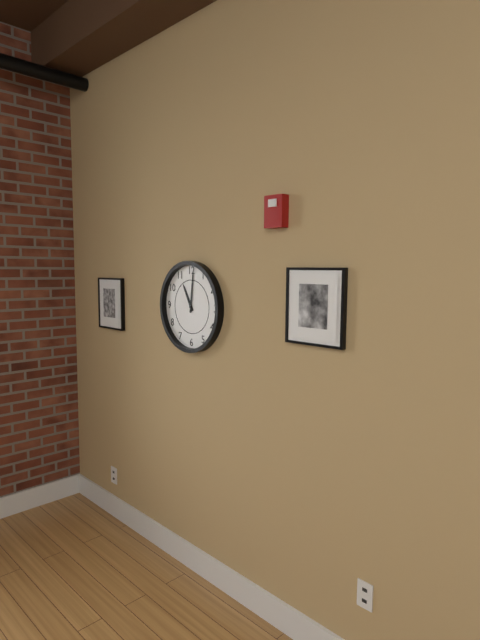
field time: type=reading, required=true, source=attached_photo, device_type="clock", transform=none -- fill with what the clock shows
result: 11:01
